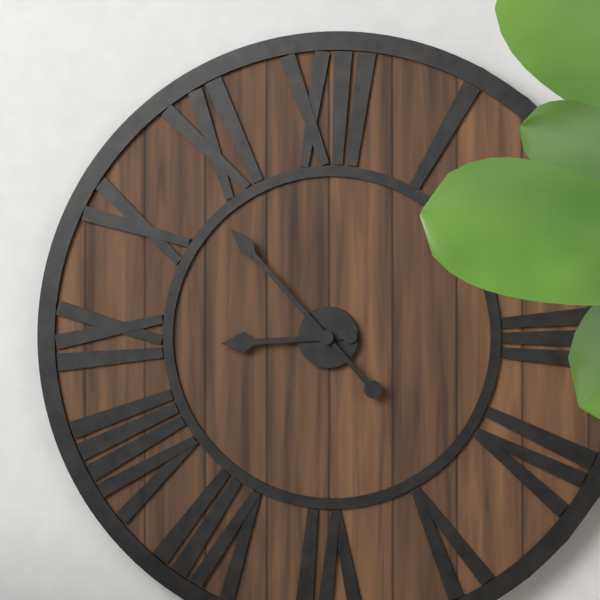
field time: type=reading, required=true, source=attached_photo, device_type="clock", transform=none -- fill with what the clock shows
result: 8:53
